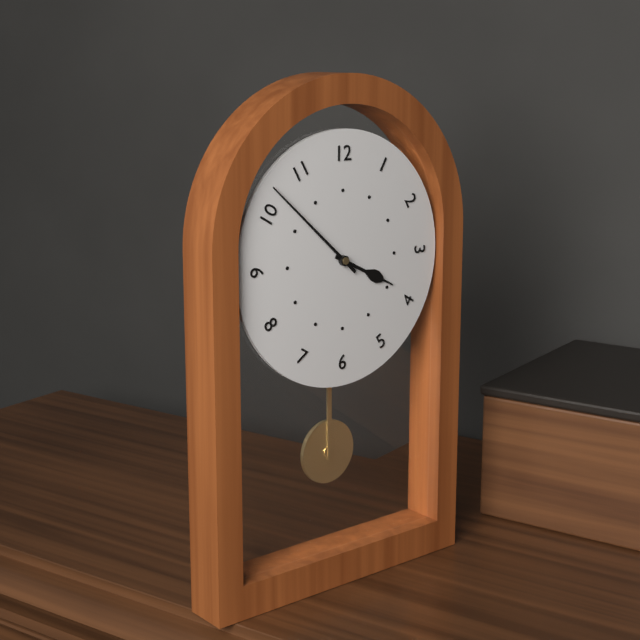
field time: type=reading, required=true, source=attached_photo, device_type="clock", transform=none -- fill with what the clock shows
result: 3:52
